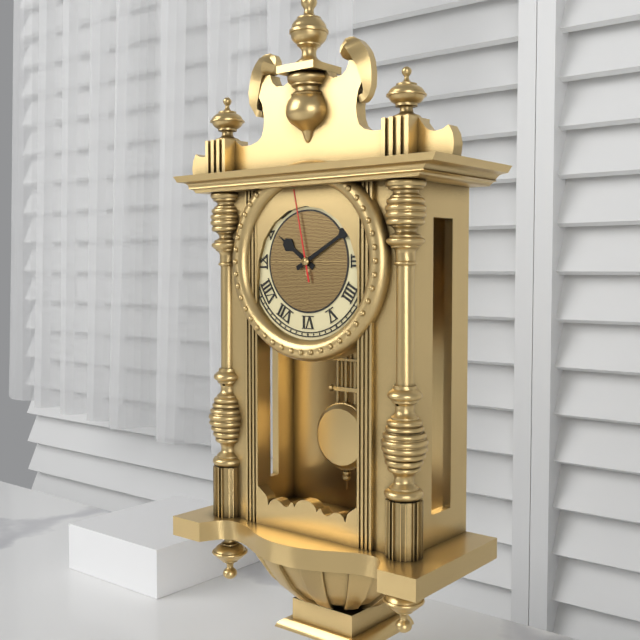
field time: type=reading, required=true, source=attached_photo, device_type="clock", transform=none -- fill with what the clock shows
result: 10:10:58
